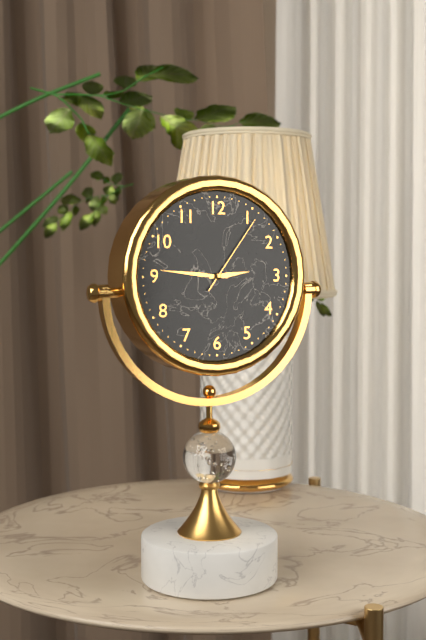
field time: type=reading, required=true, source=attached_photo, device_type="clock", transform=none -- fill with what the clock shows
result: 2:46:06
